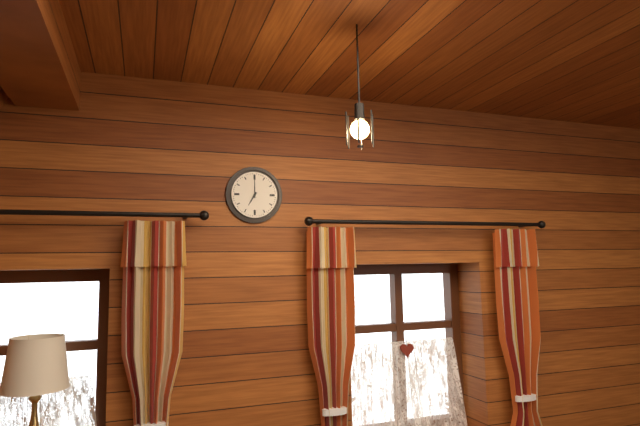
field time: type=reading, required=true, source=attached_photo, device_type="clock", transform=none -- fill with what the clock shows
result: 7:00
